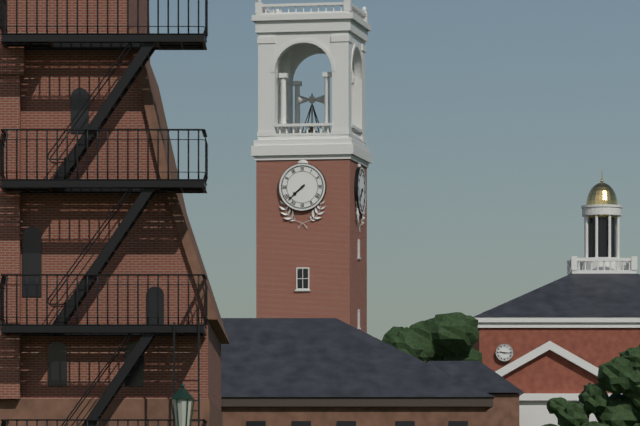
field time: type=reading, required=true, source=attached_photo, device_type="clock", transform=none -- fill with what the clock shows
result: 7:38
